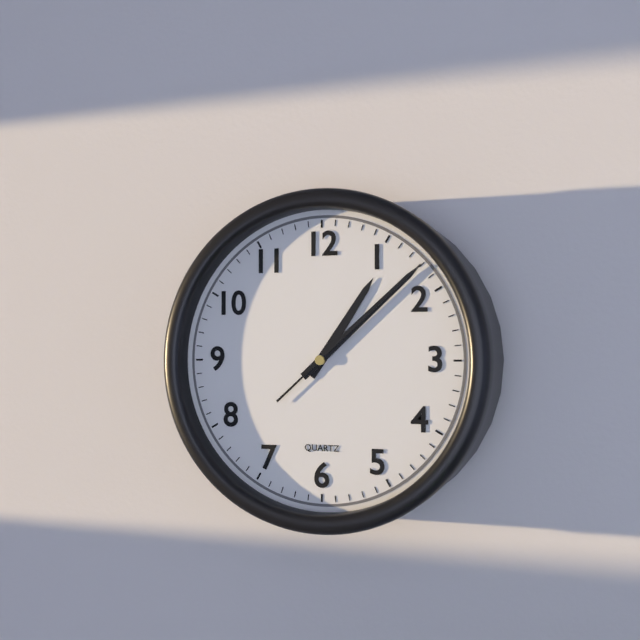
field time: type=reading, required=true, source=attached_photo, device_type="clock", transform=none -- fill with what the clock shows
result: 1:08:08
